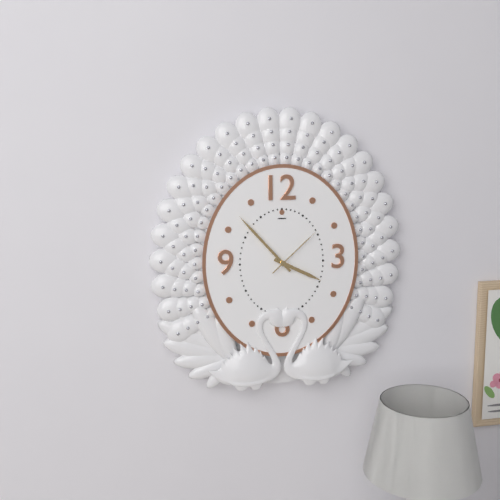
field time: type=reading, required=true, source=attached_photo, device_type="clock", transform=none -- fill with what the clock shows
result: 3:53:08
